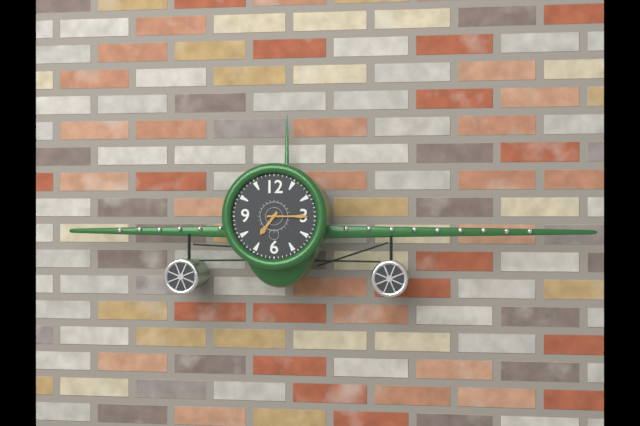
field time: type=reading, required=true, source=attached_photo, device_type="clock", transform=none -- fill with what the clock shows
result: 7:15
